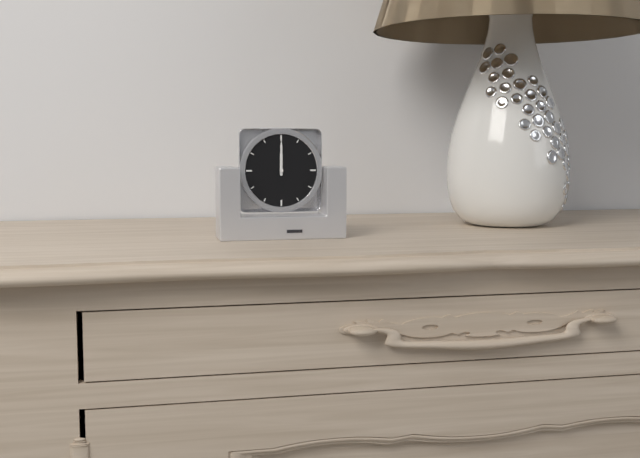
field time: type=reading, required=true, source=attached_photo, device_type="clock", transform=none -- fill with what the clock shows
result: 12:00
